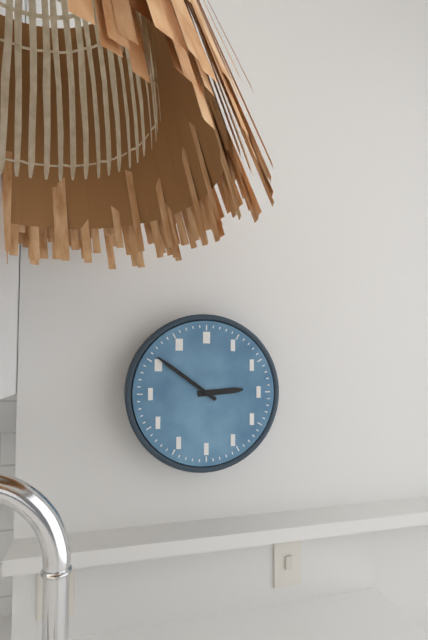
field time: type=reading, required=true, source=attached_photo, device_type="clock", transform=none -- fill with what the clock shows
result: 2:51
